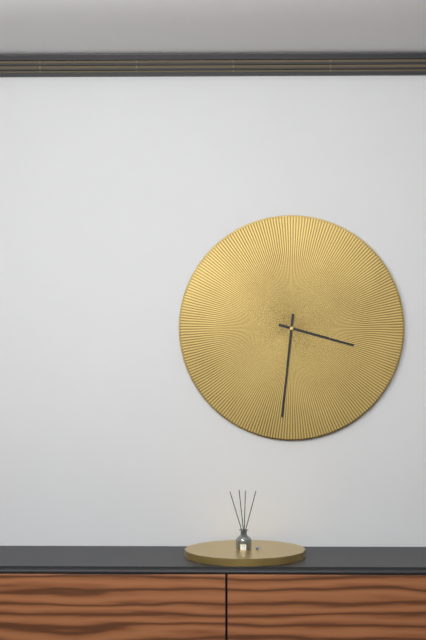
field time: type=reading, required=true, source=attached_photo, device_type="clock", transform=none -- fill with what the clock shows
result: 3:31
